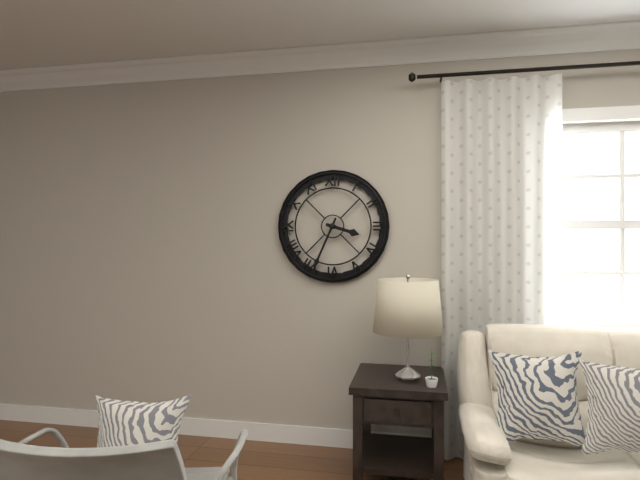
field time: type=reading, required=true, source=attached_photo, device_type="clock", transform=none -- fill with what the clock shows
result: 3:34
